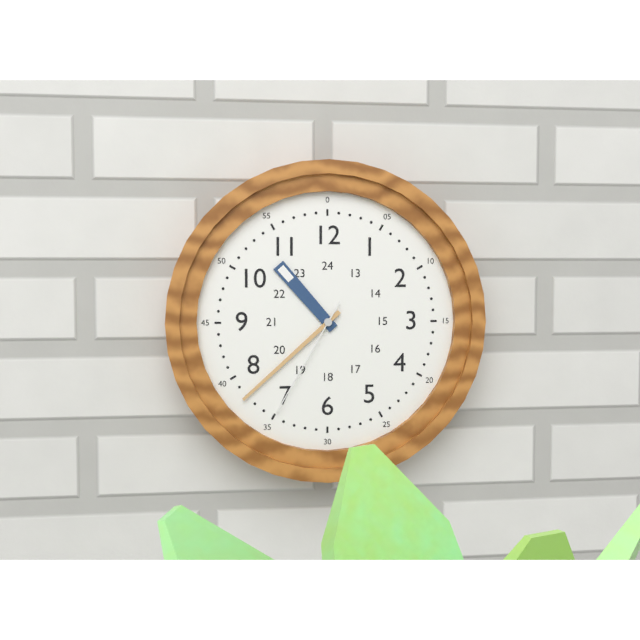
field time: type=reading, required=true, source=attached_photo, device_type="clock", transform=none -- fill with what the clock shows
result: 10:38:35
